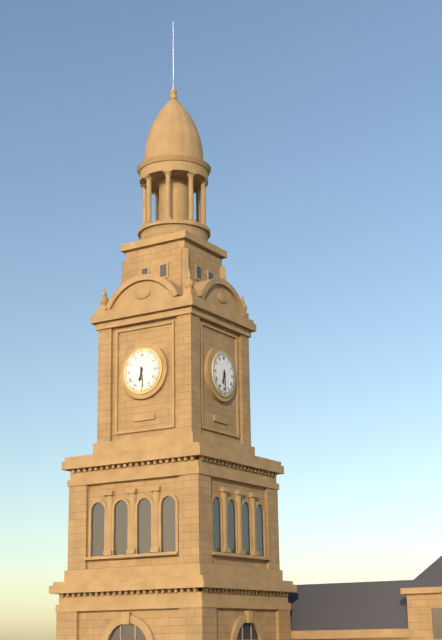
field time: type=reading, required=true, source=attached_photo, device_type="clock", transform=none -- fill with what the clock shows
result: 6:29
